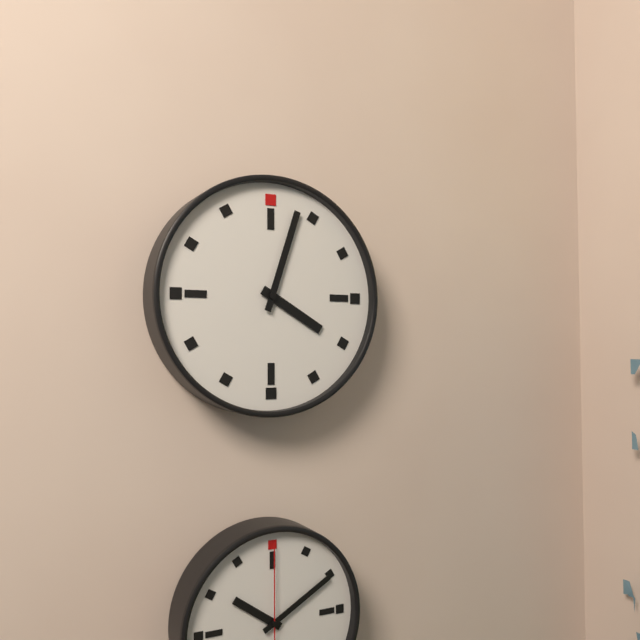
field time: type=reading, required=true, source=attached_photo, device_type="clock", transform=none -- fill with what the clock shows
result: 4:03
